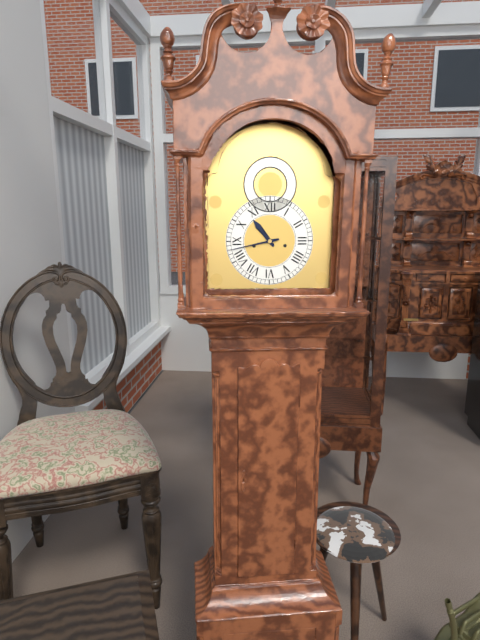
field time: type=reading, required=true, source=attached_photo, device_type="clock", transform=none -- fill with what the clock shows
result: 10:43
